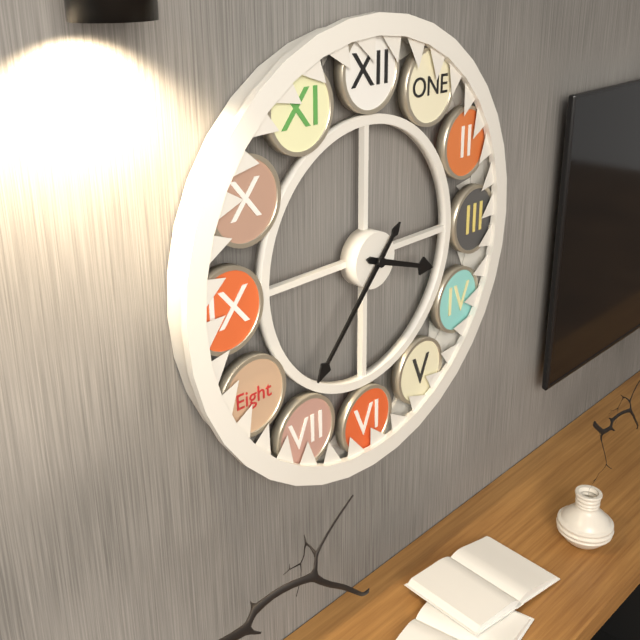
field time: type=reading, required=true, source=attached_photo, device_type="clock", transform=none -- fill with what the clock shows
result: 3:37
